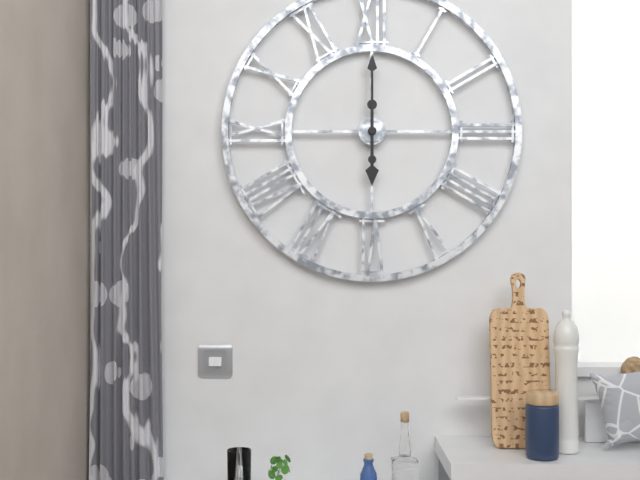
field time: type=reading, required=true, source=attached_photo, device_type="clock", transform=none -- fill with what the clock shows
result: 6:00
